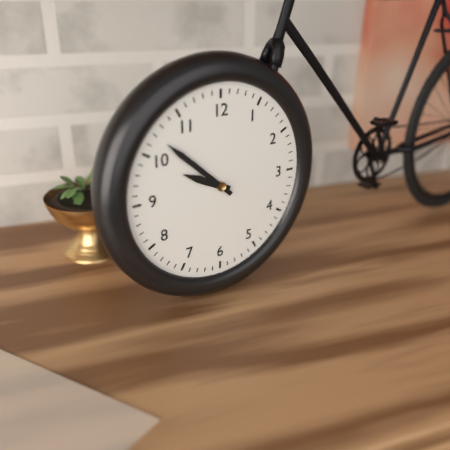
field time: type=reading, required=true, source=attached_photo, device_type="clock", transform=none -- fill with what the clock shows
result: 9:52
